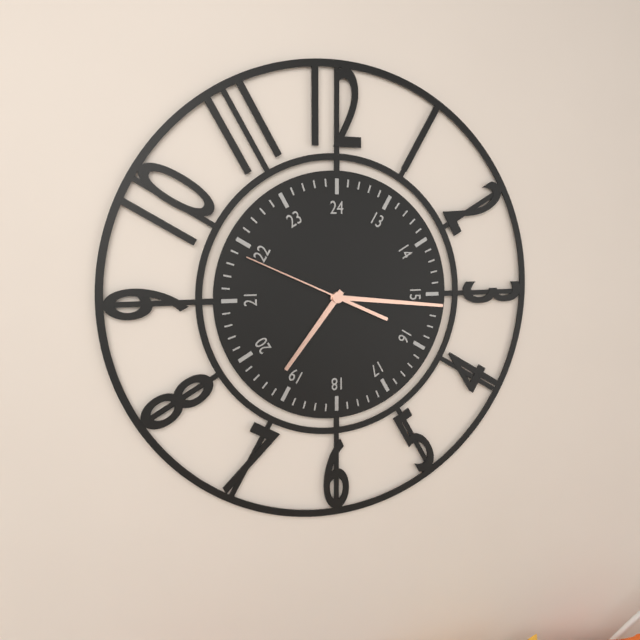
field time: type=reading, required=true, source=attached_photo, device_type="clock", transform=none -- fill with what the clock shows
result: 7:16:49
